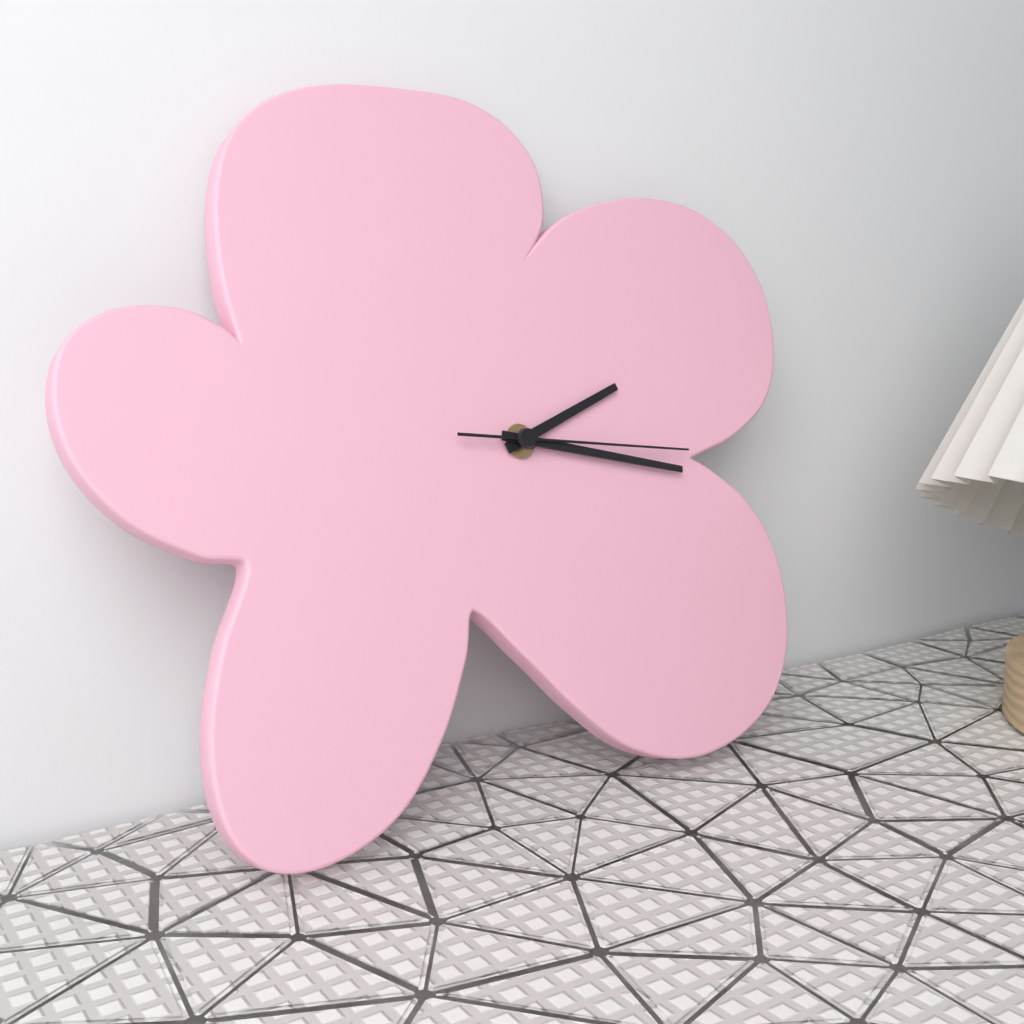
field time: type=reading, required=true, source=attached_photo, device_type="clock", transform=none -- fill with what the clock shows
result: 2:17:16
